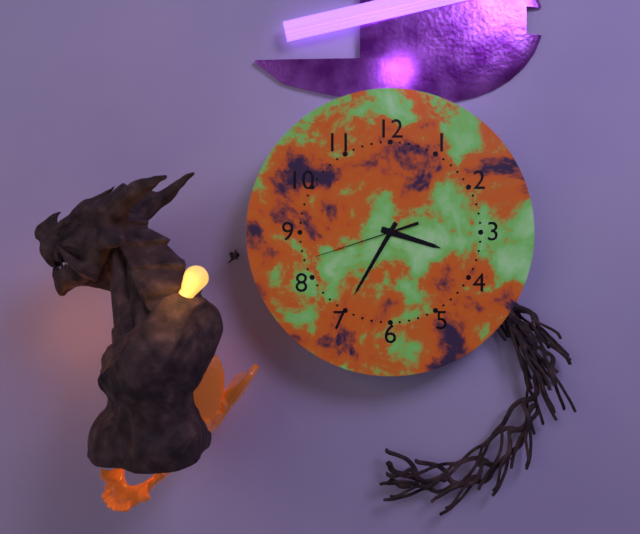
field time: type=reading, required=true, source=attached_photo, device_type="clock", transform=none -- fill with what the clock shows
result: 3:35:42
